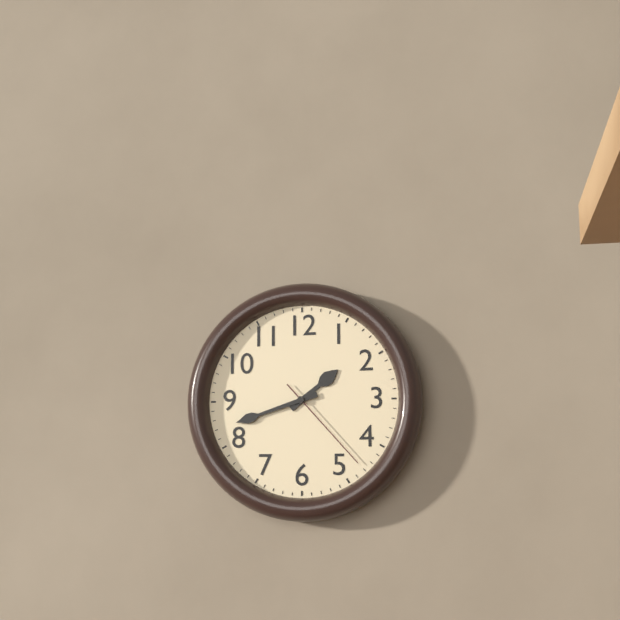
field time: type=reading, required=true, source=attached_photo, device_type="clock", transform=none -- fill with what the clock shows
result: 1:42:23
